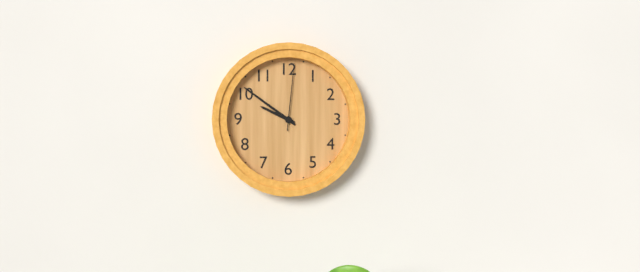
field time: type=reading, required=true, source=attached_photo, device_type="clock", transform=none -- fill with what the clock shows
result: 9:51:01
